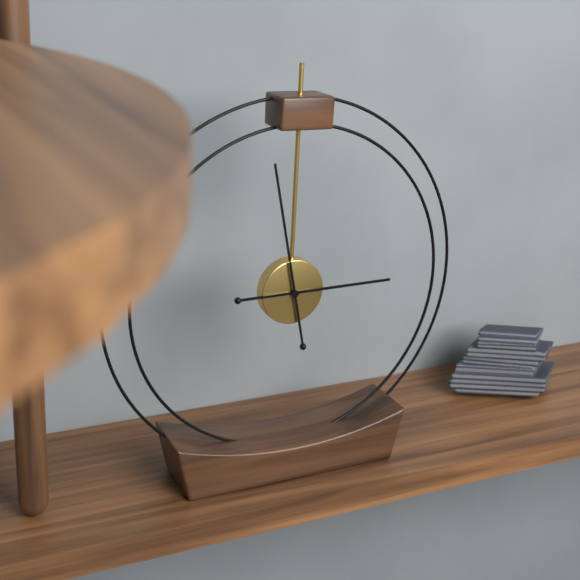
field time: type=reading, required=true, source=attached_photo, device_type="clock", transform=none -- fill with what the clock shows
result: 2:58
